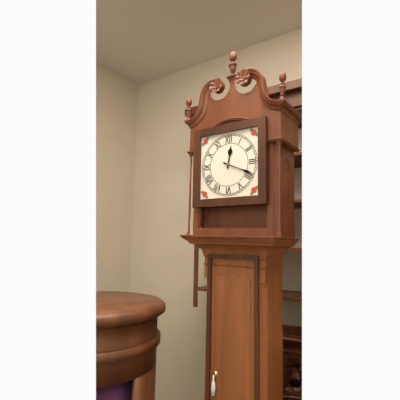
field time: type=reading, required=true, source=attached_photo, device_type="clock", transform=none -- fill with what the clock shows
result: 12:19
